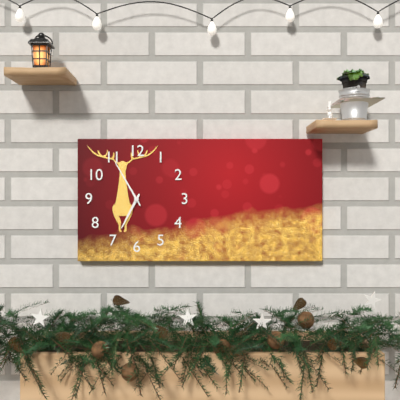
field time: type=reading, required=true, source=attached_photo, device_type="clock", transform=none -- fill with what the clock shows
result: 6:55
